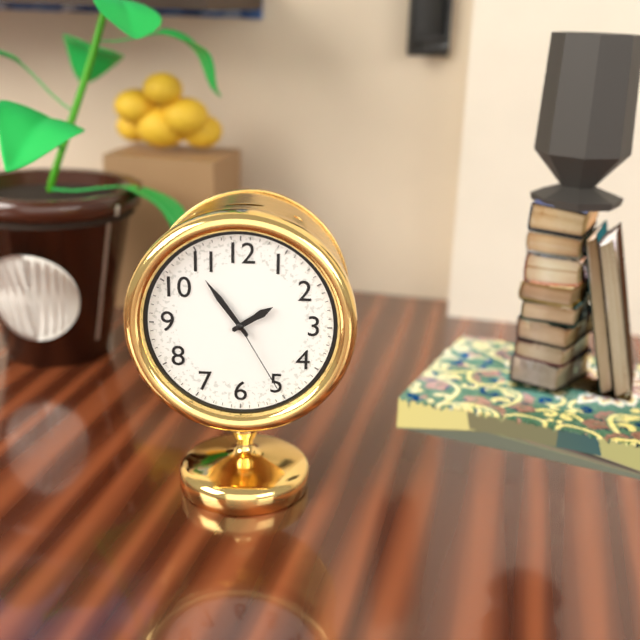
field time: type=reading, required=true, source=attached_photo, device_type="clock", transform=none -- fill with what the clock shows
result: 1:54:25
